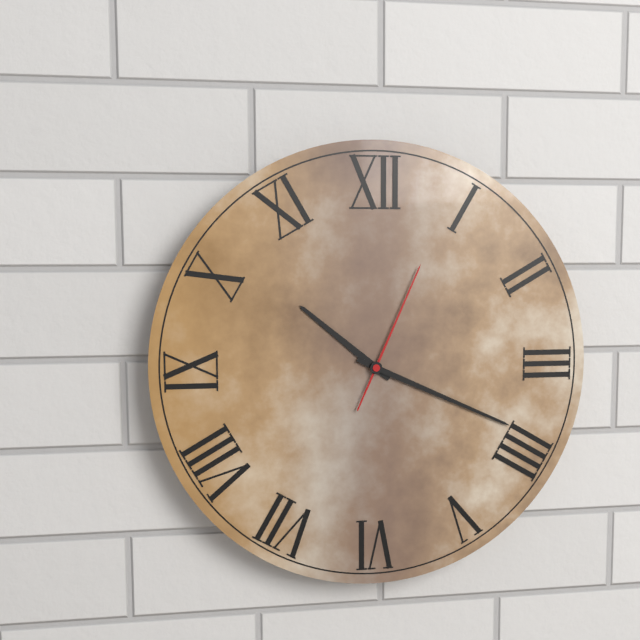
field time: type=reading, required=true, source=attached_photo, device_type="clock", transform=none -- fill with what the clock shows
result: 10:19:04
